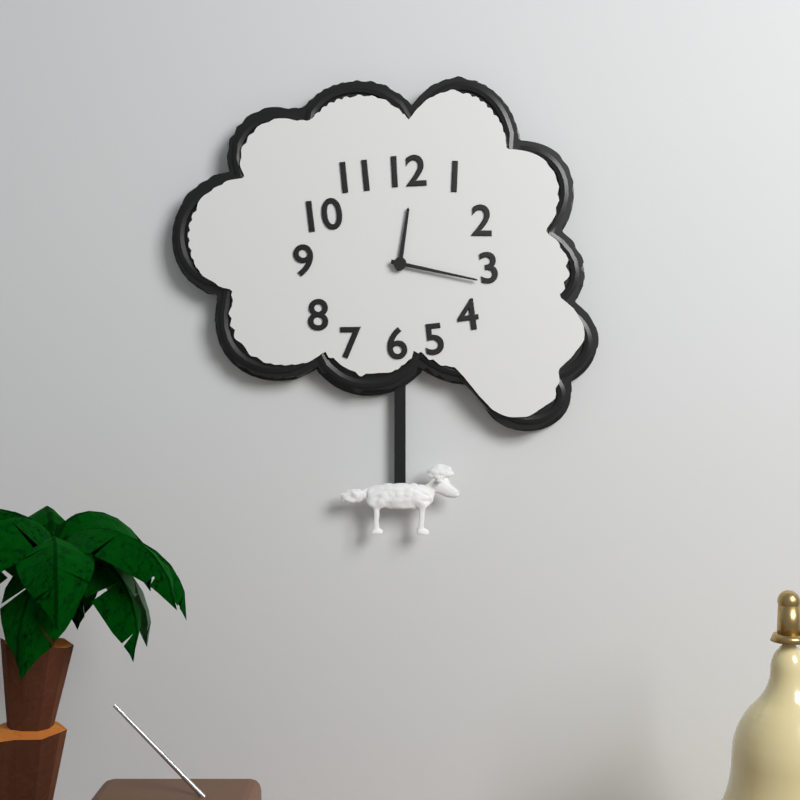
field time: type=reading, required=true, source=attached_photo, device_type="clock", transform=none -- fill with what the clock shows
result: 12:17
